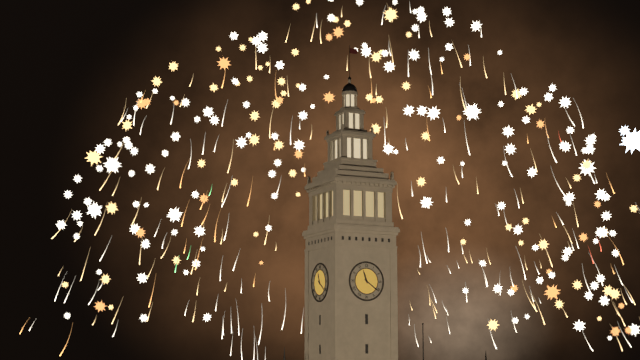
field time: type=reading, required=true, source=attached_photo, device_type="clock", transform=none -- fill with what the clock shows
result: 11:21
